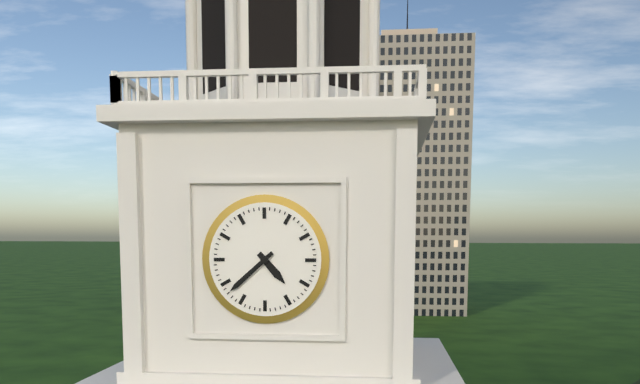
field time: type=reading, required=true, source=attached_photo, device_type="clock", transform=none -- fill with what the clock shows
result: 4:38
